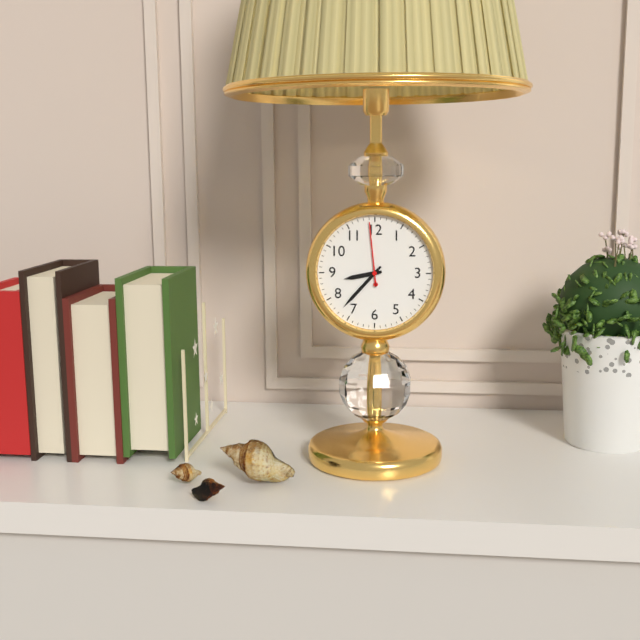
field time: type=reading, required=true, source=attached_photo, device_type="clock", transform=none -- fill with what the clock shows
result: 8:37:59
